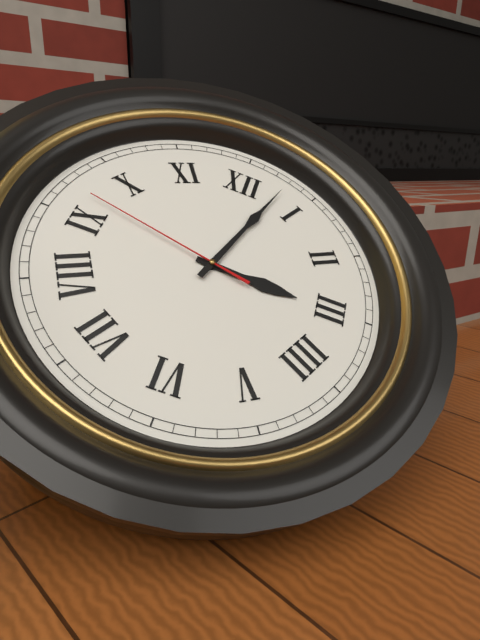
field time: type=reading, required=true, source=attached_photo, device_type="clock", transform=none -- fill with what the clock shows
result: 3:03:47
